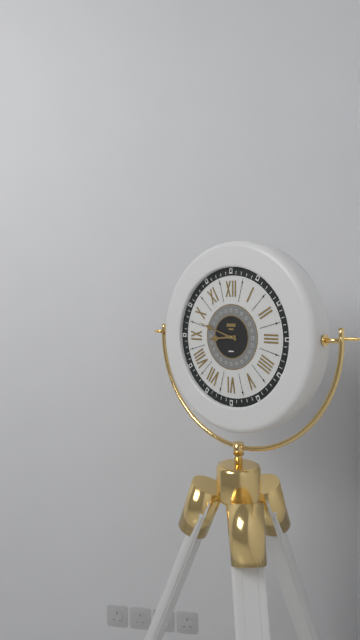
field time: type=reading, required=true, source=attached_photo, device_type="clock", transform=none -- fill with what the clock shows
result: 8:48
